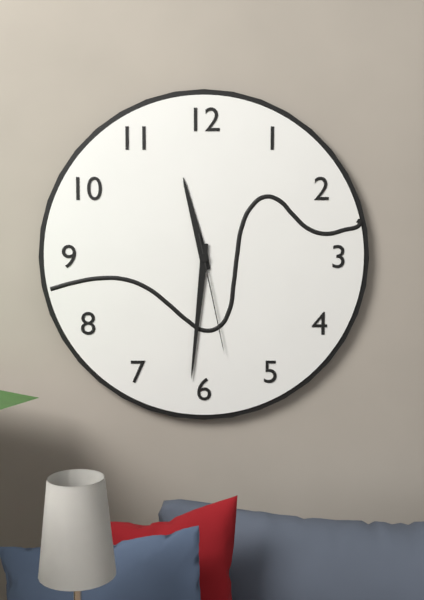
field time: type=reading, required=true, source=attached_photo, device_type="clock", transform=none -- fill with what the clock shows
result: 11:31:28
